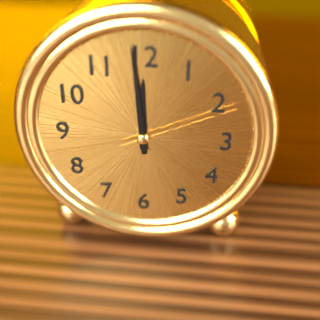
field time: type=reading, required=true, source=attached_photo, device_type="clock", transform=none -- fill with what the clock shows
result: 11:59:11
